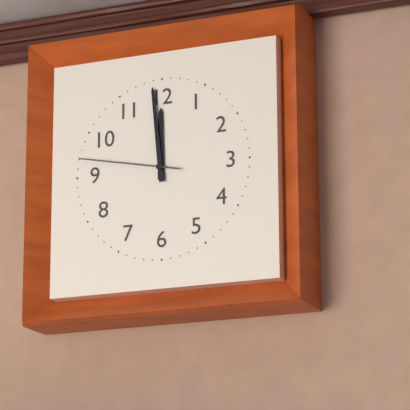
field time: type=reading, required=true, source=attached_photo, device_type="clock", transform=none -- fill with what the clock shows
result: 11:59:47
